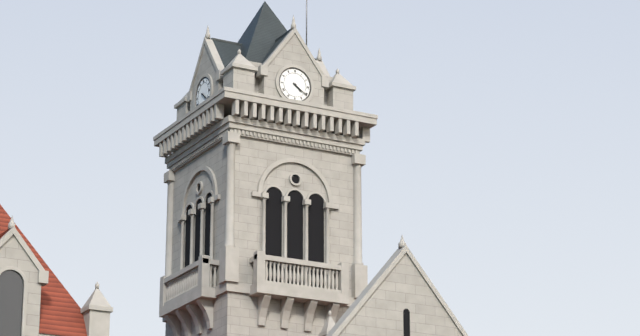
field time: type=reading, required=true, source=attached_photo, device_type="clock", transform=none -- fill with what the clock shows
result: 4:21
